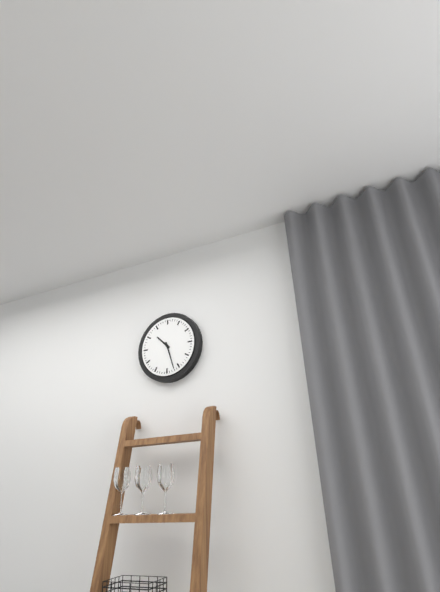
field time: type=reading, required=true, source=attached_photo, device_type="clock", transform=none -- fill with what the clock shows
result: 10:27
